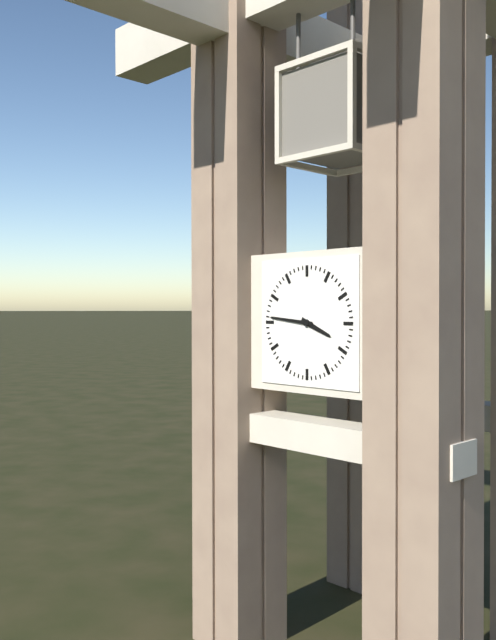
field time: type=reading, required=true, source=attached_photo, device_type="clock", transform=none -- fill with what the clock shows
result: 3:46
